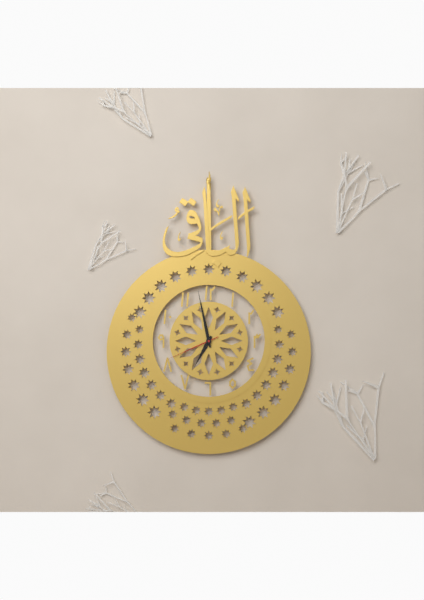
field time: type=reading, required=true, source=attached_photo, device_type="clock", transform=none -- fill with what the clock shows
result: 6:58:41
